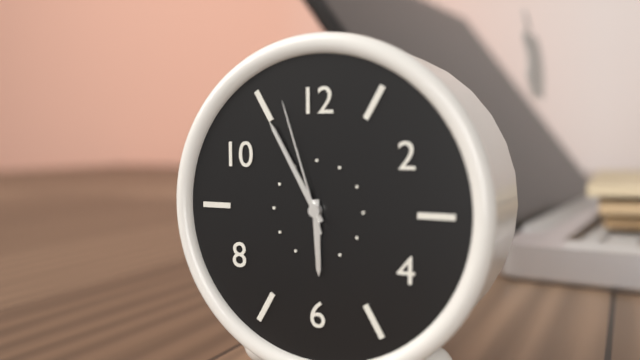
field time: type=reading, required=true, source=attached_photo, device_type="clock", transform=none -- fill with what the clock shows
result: 5:55:57
